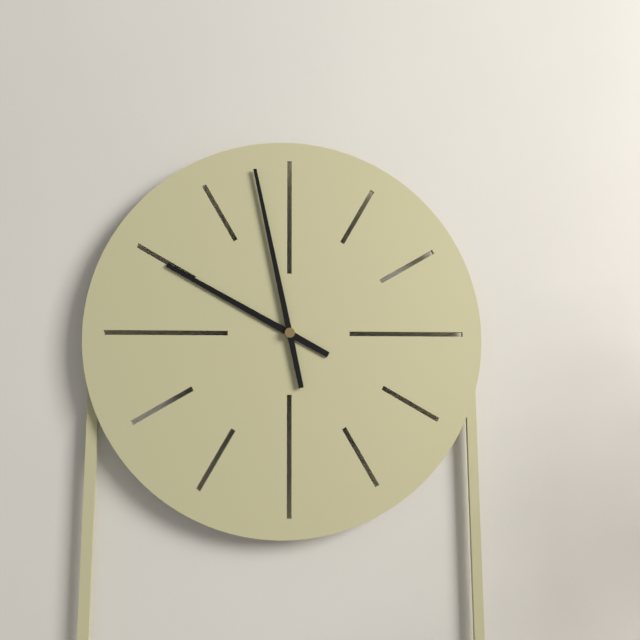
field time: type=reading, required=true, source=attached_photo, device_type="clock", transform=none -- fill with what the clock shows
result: 9:58
